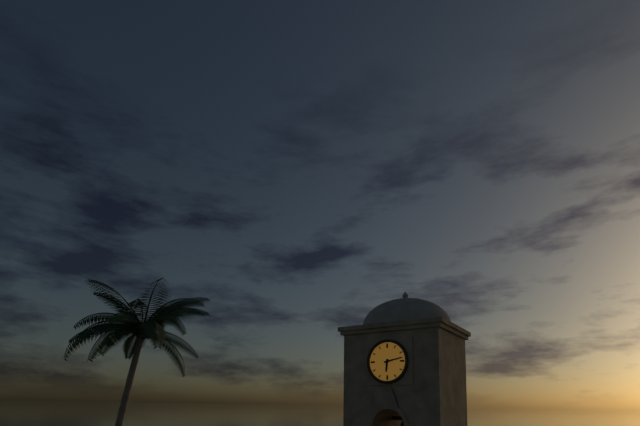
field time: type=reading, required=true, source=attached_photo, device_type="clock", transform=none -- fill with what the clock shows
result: 6:13
